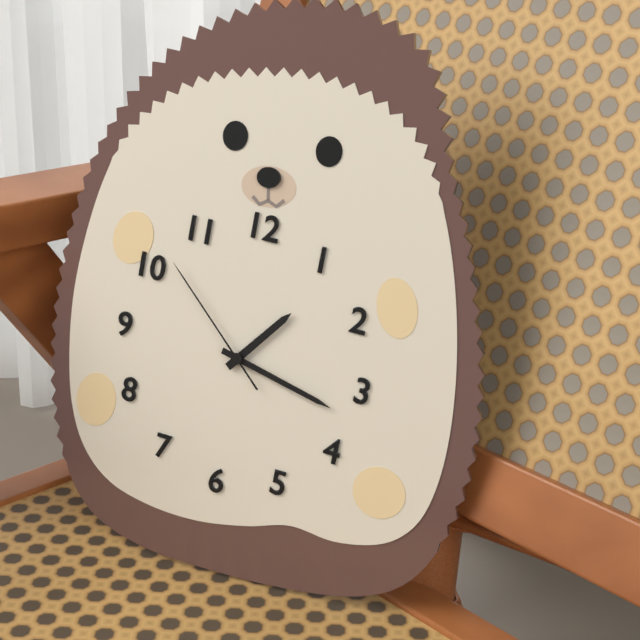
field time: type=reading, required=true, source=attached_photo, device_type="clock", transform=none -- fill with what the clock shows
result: 1:17:52
